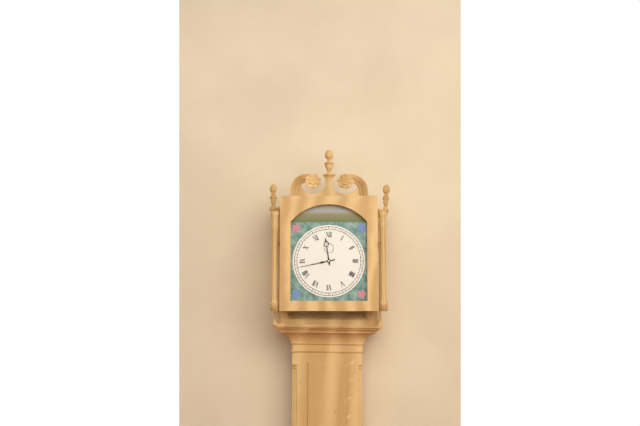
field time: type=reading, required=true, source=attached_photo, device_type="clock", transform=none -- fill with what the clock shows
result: 11:43
